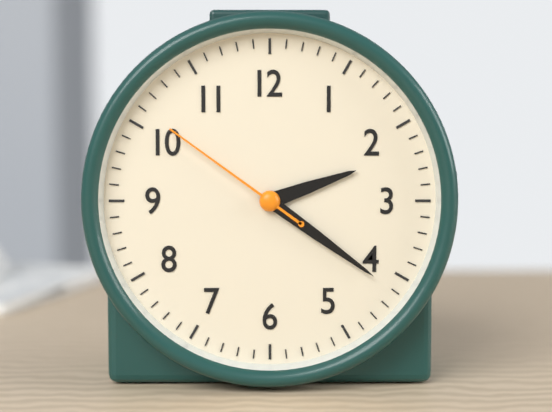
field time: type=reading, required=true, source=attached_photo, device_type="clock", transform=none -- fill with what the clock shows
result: 2:21:51
